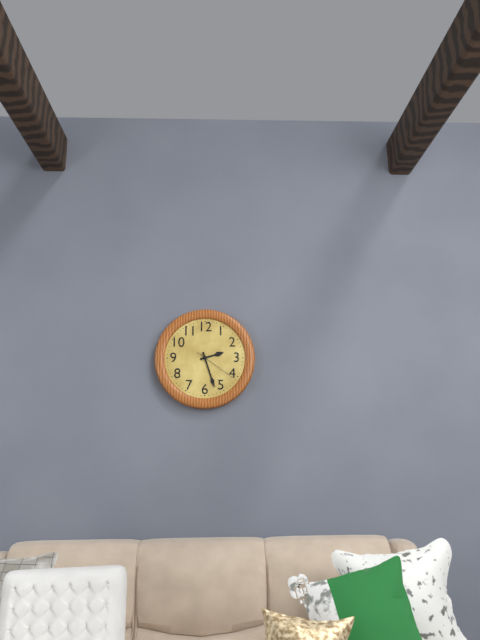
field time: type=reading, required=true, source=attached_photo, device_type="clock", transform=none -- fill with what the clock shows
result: 2:27
